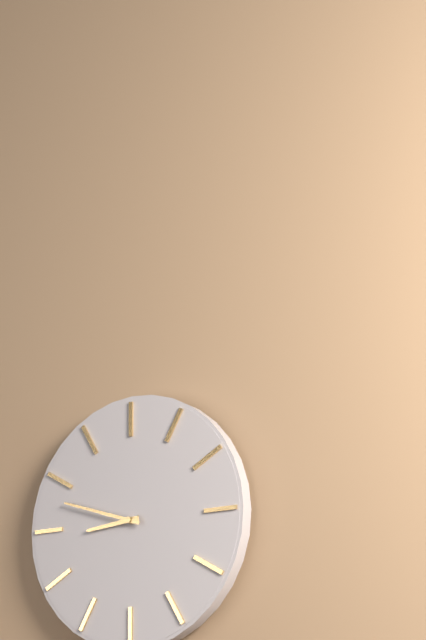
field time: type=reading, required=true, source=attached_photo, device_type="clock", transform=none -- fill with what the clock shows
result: 8:48
